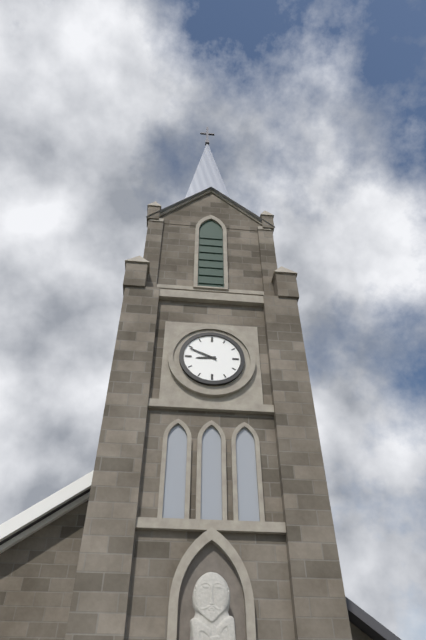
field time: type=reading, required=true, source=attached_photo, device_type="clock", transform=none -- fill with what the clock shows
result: 8:49
